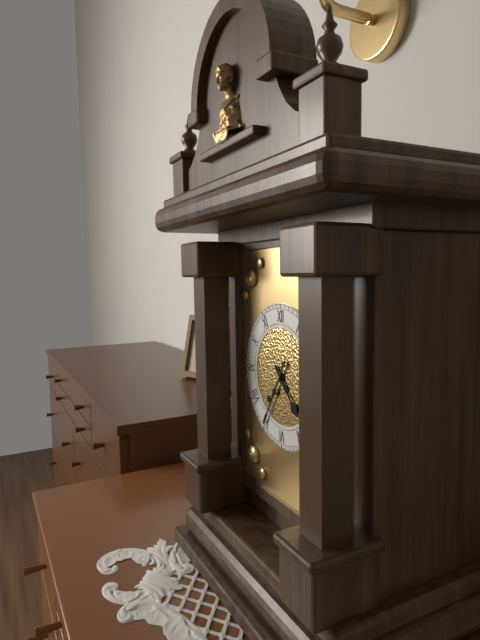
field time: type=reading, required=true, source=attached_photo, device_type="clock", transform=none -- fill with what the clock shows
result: 4:35
